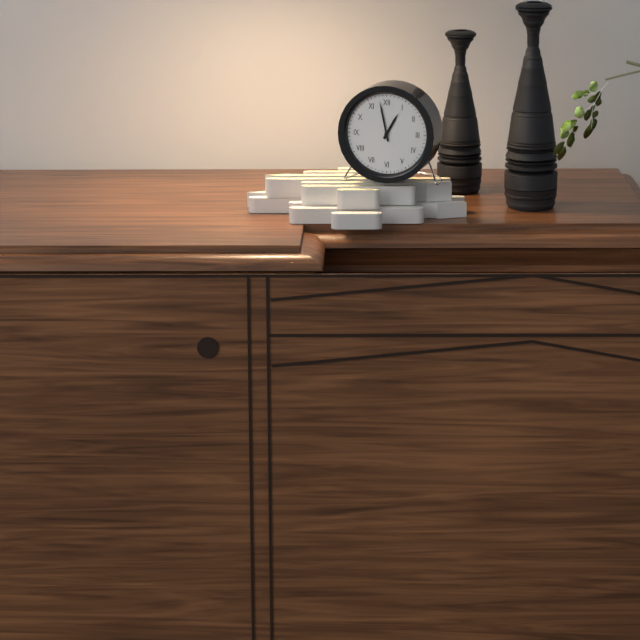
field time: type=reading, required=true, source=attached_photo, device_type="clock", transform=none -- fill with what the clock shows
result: 12:58
